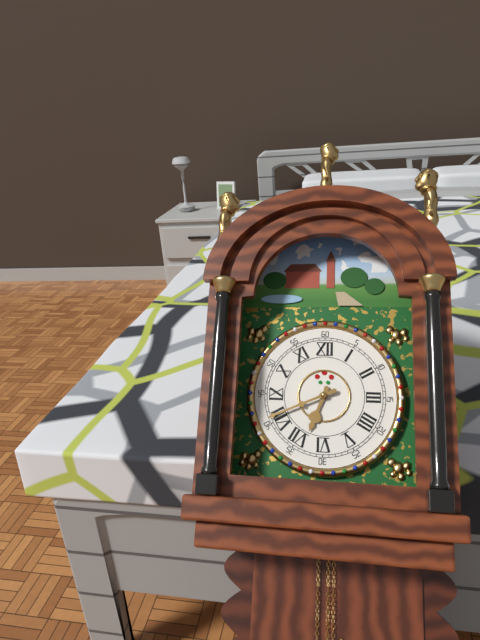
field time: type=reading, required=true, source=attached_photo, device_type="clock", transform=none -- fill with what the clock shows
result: 6:41
